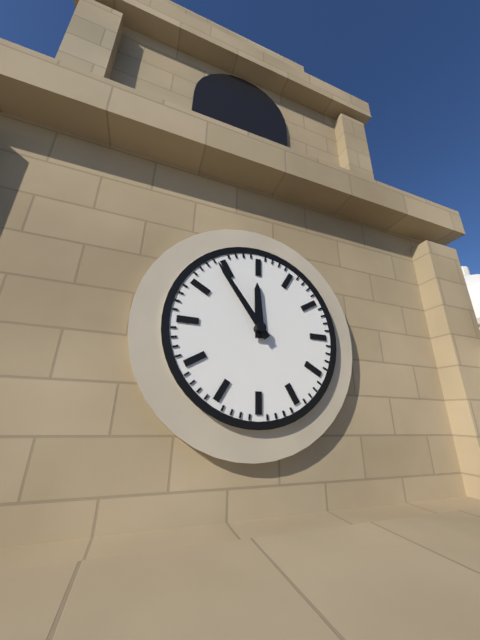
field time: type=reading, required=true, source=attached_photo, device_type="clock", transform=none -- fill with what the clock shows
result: 11:54
